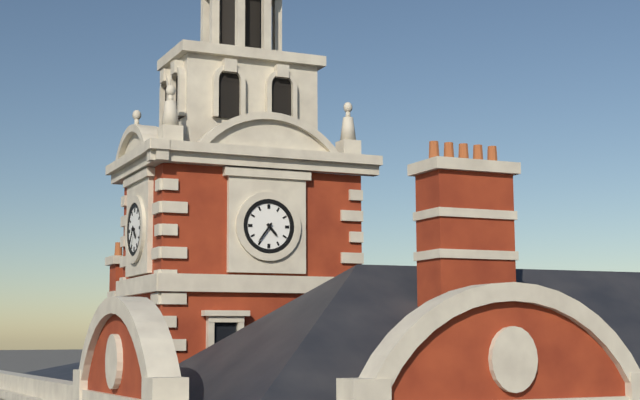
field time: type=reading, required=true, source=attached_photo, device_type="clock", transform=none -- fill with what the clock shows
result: 4:36
